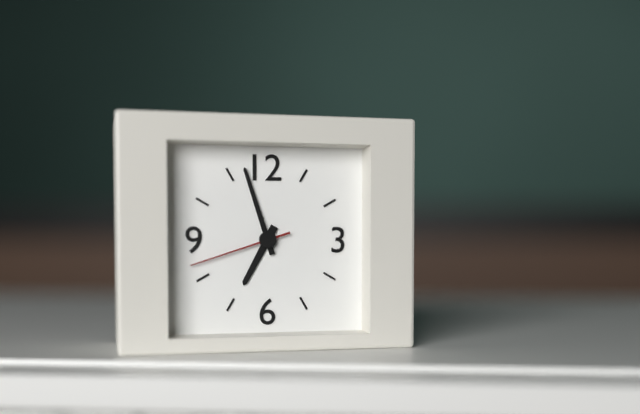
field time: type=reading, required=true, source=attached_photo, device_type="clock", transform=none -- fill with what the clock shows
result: 6:57:42
